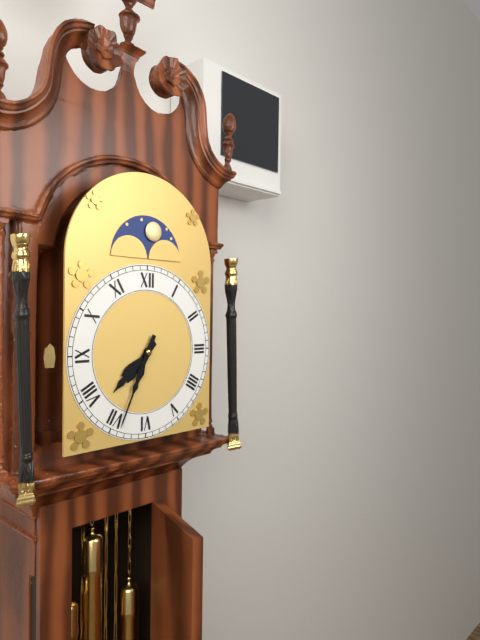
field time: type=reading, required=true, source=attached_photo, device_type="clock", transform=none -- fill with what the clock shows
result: 7:34
